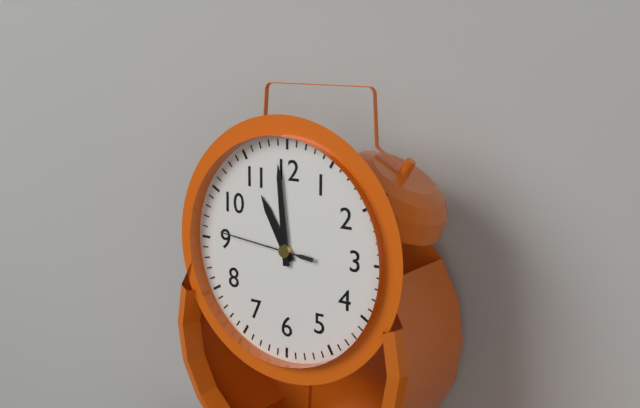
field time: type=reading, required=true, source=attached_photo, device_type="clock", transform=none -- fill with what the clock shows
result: 10:59:46
